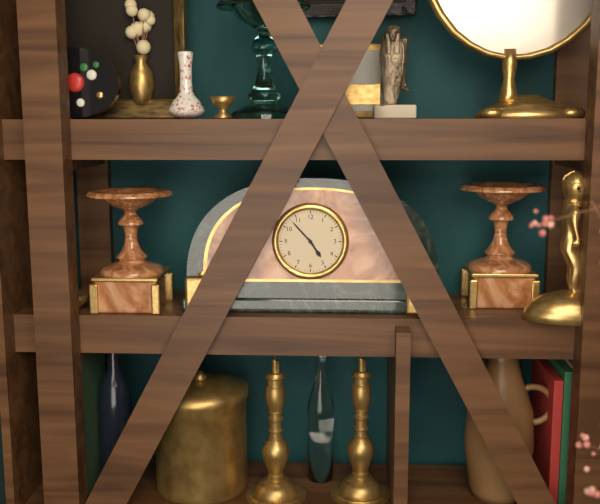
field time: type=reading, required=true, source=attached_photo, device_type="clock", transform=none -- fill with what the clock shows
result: 4:53
